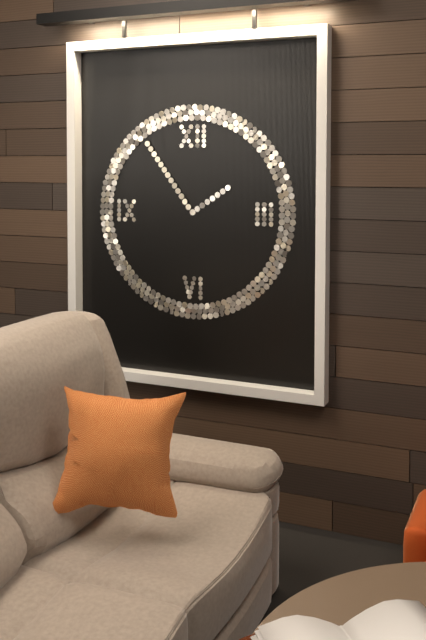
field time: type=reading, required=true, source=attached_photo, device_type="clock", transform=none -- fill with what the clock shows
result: 1:54
